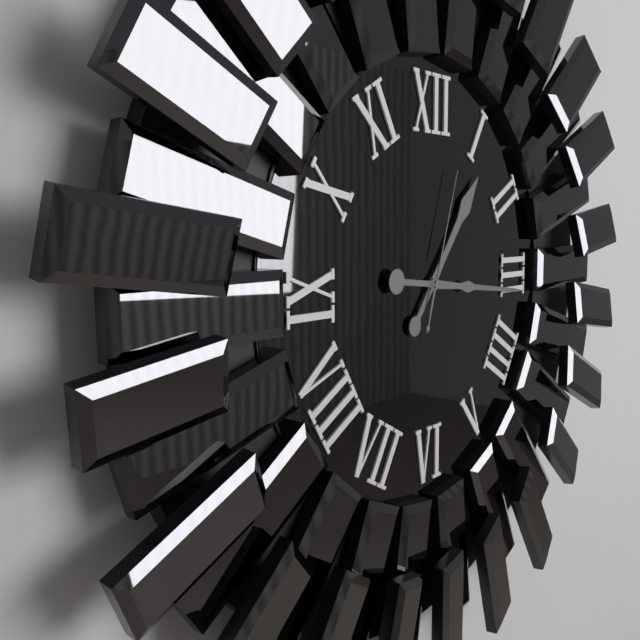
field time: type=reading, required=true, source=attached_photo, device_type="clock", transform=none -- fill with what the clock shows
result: 1:16:03
